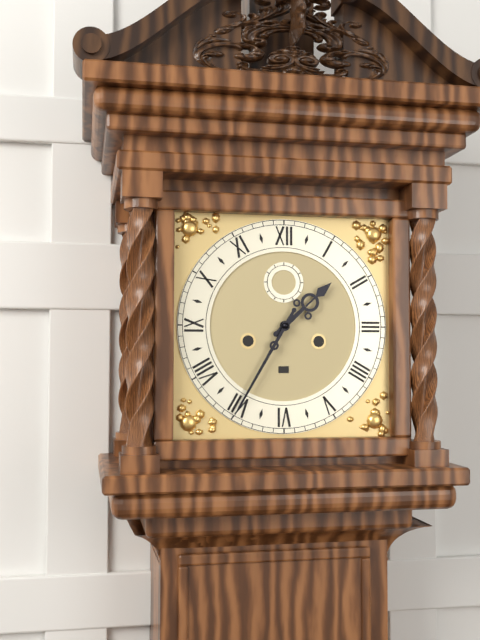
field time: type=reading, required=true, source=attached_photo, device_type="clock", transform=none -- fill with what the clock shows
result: 1:35
